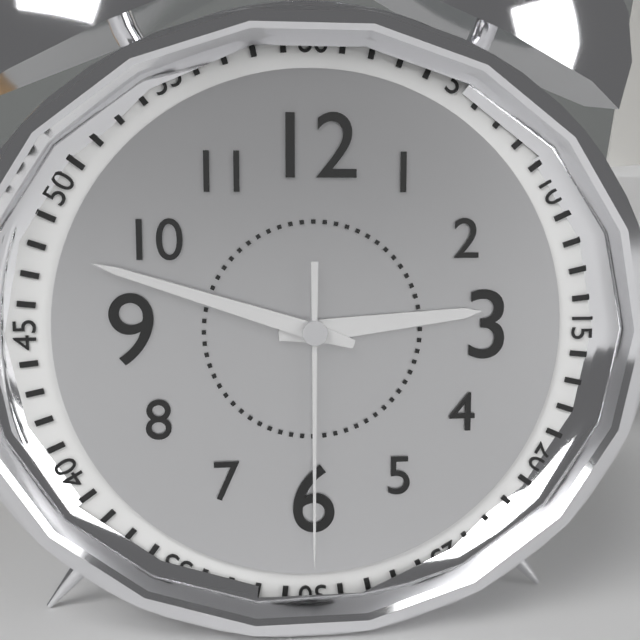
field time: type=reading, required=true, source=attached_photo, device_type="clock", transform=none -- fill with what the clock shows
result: 2:48:30
